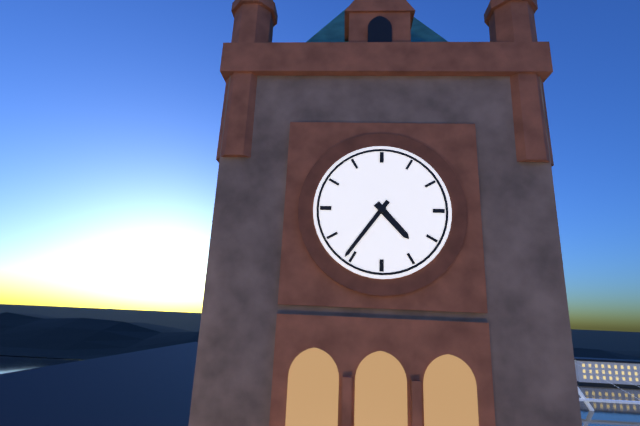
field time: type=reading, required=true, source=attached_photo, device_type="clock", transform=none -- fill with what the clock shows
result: 4:36
